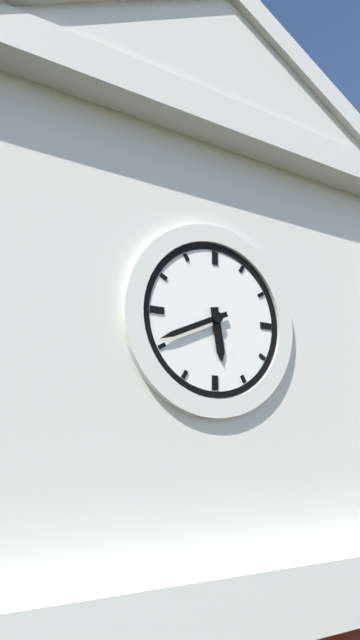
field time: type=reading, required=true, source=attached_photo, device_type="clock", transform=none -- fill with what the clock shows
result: 5:41
